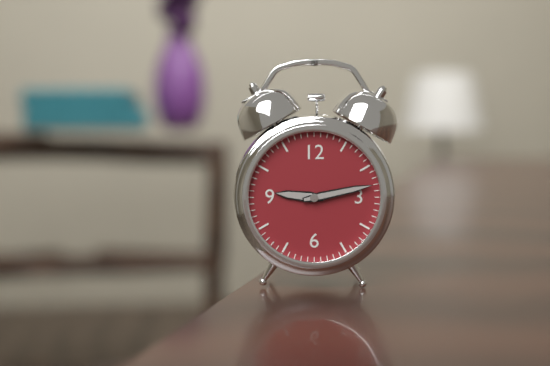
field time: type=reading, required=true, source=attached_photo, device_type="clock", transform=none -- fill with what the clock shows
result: 9:13
